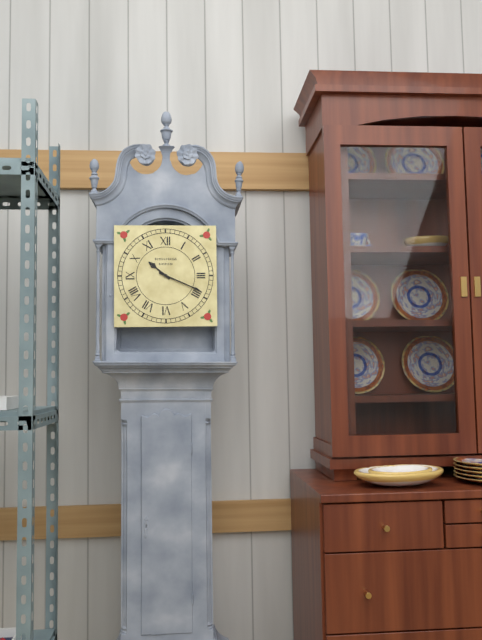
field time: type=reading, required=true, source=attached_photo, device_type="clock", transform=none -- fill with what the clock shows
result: 10:19
